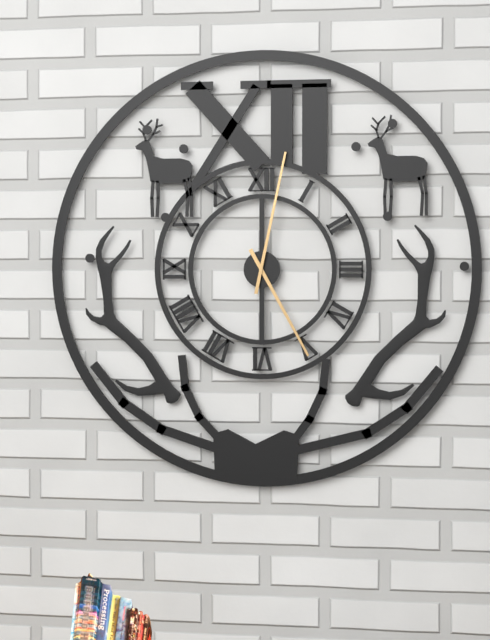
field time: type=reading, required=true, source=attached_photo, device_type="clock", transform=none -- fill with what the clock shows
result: 5:02
